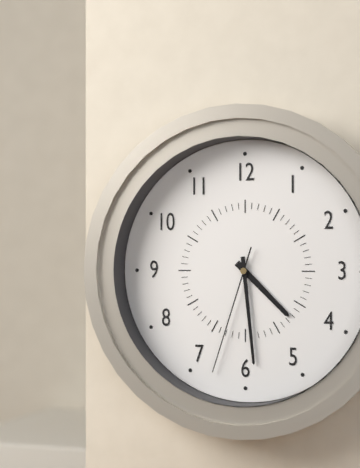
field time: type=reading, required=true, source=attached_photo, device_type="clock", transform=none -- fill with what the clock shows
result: 4:29:33
